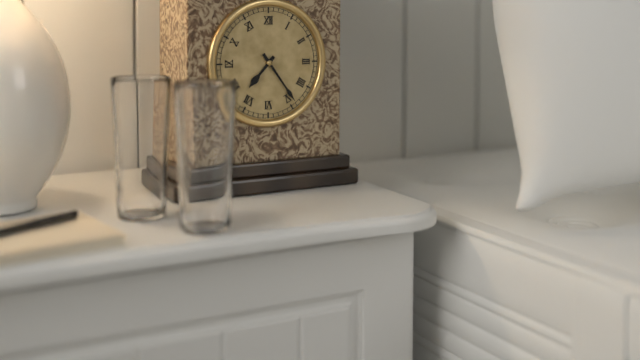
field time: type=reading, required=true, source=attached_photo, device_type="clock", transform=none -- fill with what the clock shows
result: 7:24
